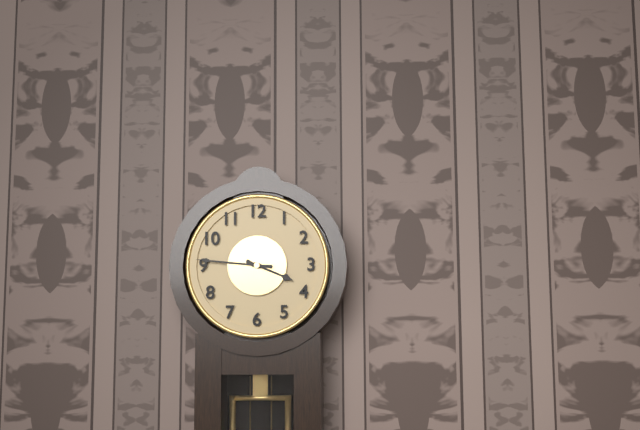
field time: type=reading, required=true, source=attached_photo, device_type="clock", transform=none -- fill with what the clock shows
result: 3:46
